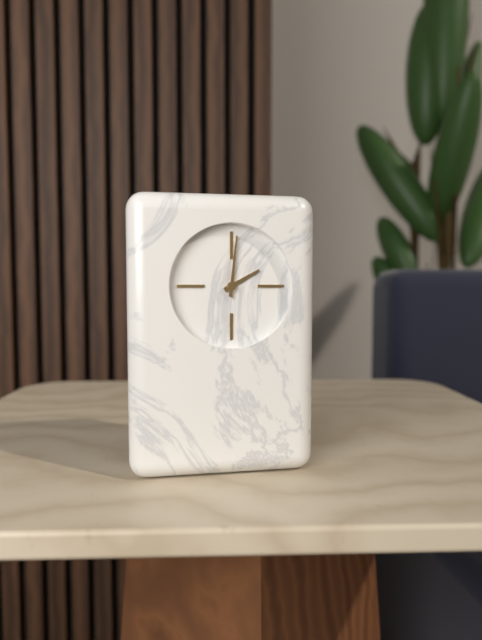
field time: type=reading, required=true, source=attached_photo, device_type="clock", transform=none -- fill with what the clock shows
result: 2:01
